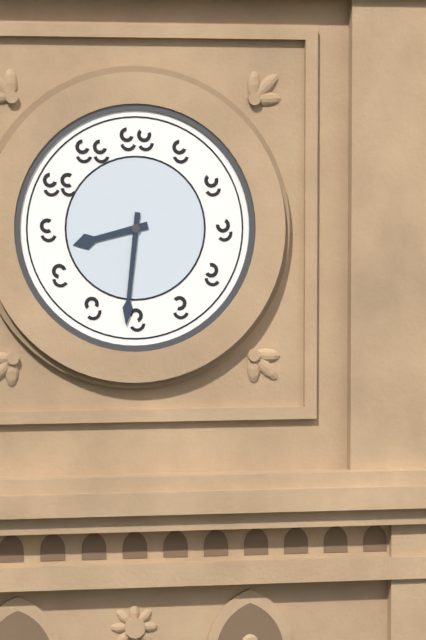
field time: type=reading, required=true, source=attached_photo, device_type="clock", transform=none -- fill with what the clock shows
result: 8:31
